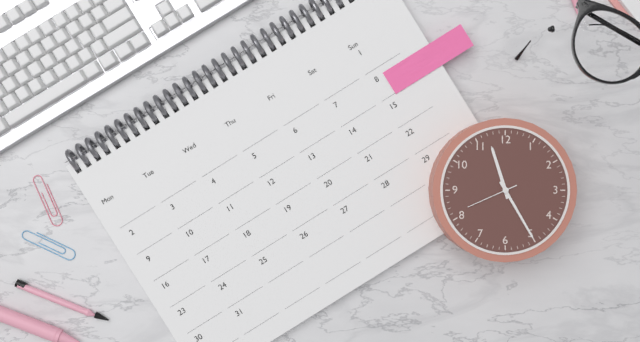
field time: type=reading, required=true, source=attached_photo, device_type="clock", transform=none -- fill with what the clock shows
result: 11:25
